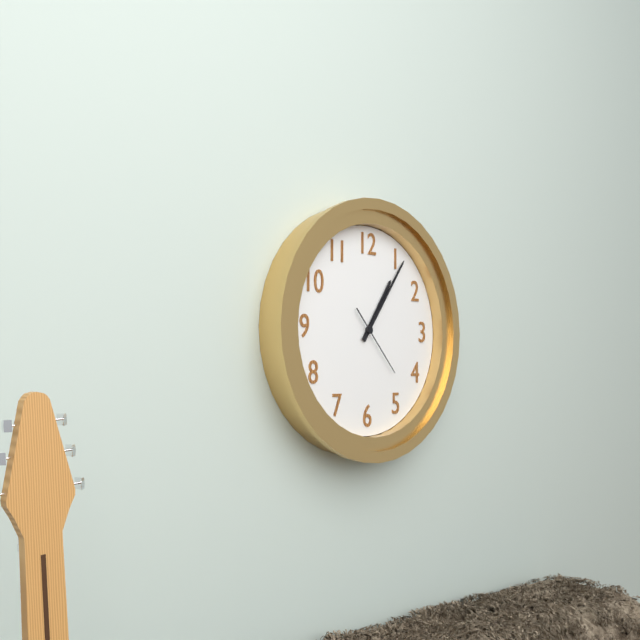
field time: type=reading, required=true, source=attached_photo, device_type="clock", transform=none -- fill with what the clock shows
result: 1:06:23
